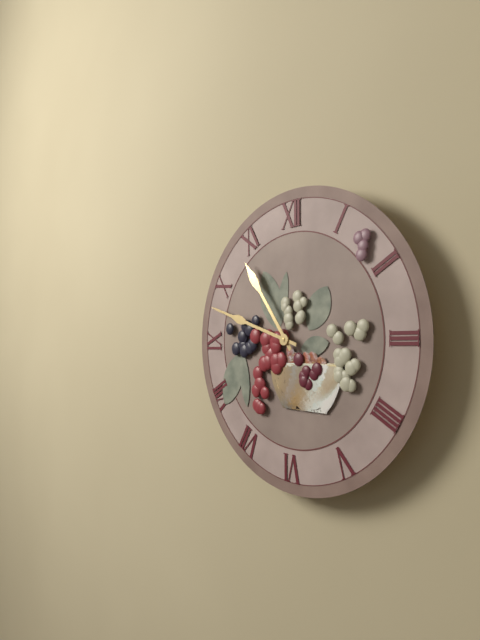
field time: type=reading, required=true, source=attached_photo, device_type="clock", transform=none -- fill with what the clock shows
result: 10:48
